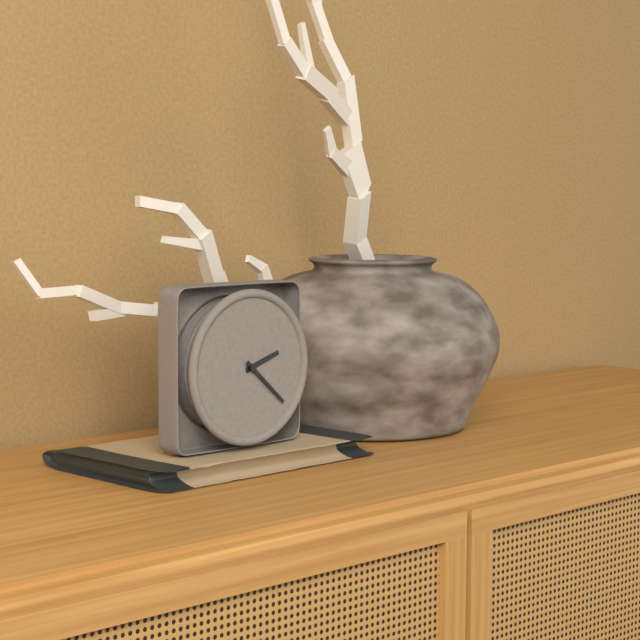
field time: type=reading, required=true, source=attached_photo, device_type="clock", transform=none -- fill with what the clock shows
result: 2:22
